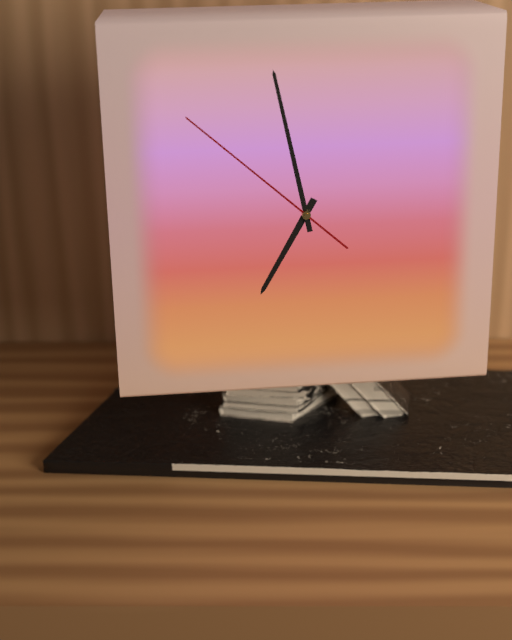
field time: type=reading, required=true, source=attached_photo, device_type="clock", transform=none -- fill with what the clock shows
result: 6:58:52
